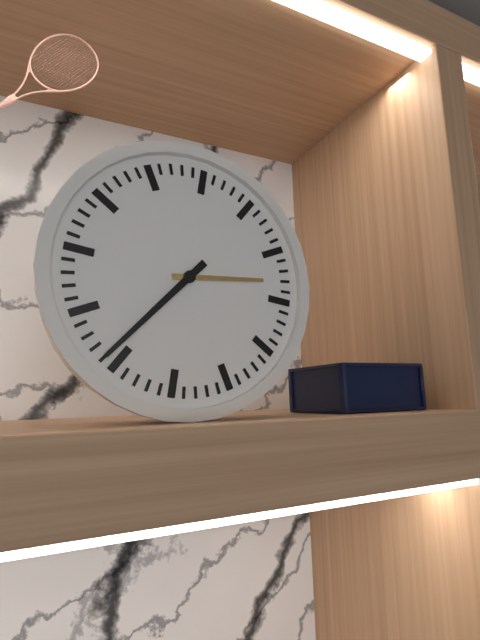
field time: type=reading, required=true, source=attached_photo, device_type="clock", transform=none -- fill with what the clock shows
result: 2:36
